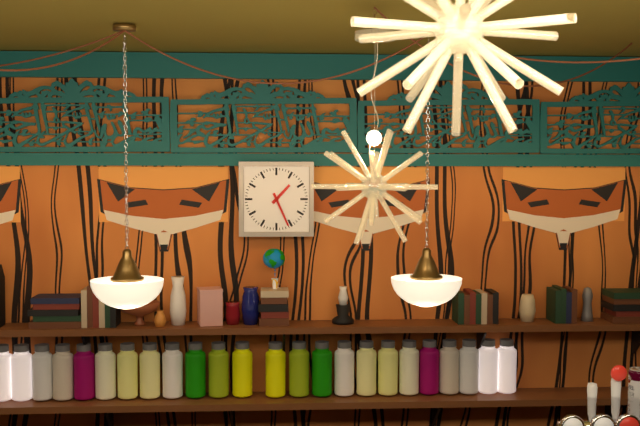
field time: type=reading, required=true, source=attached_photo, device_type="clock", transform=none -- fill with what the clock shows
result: 1:26
